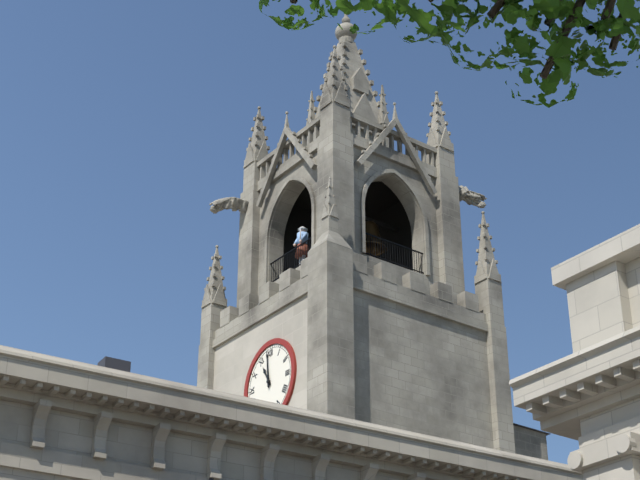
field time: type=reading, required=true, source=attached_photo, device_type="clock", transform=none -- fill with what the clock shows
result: 10:59
